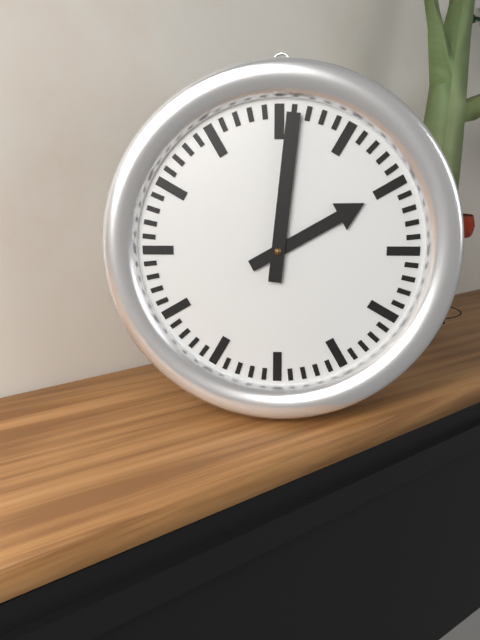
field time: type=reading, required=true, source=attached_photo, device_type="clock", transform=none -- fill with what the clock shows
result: 2:01
